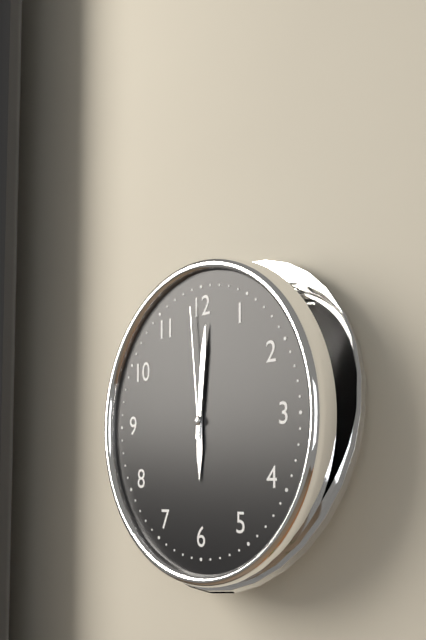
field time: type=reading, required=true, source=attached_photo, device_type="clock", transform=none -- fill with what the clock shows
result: 6:01:59
